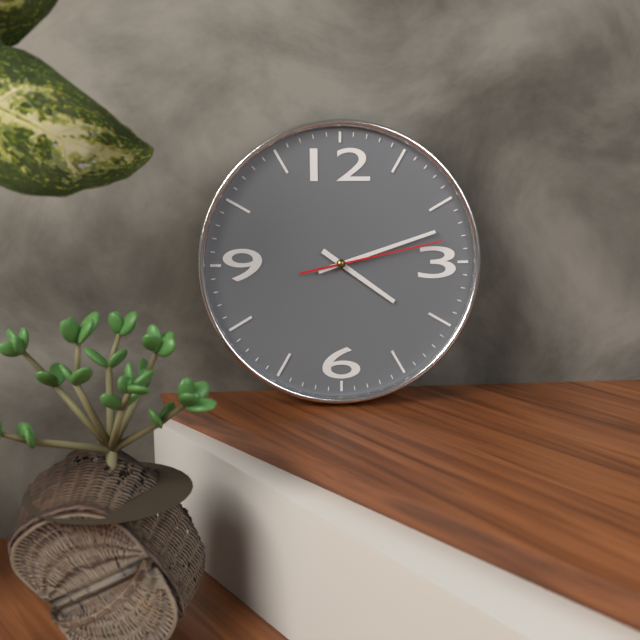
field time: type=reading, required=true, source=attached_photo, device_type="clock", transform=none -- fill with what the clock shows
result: 4:12:13
